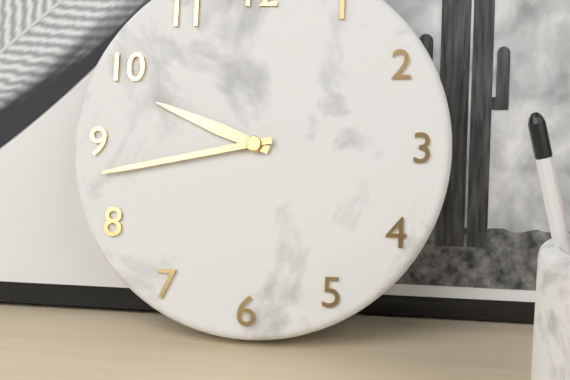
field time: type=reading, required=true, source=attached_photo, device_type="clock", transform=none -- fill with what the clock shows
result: 9:43
